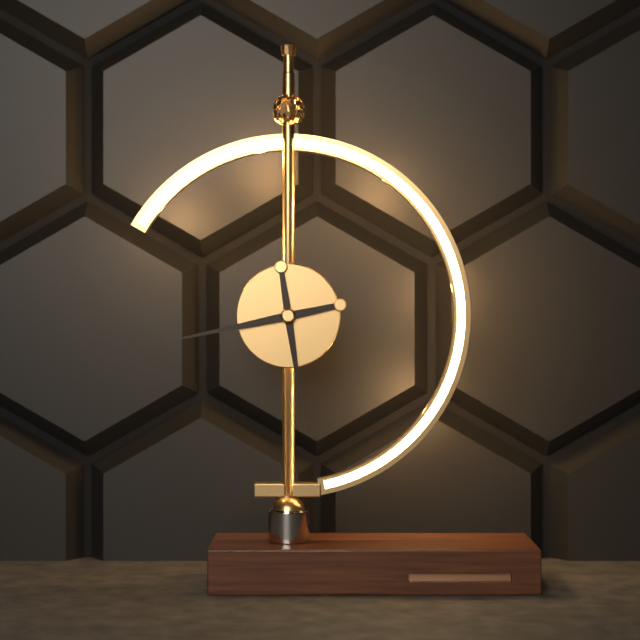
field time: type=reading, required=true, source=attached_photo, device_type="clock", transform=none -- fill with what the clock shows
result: 5:43
